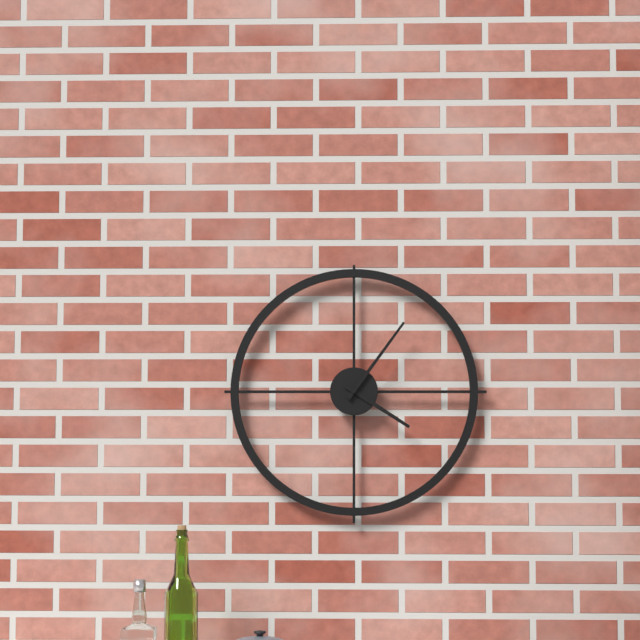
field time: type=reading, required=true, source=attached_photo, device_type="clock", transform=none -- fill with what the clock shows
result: 4:06
